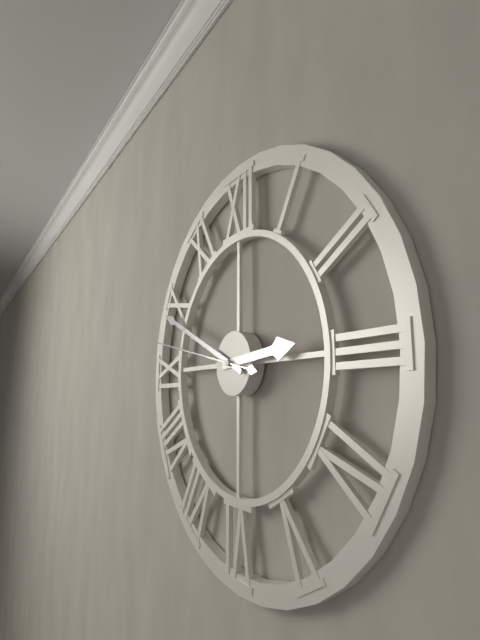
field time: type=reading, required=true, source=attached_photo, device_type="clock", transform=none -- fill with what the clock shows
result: 2:49:47
